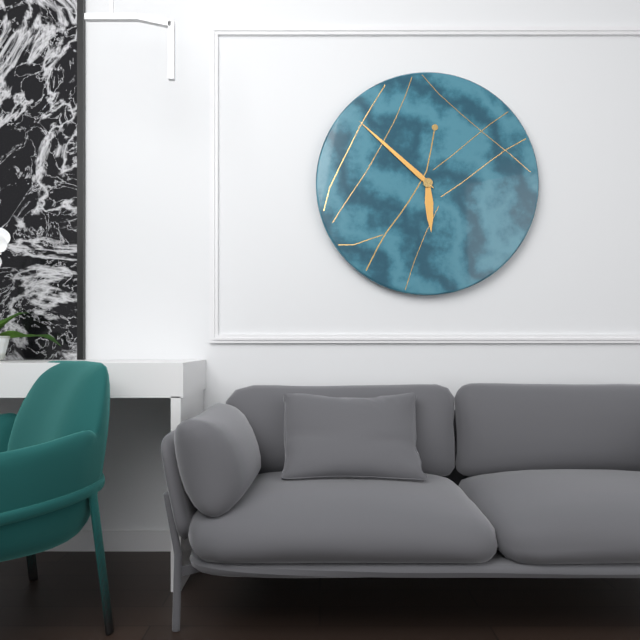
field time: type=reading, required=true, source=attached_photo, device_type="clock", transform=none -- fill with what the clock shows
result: 5:52
